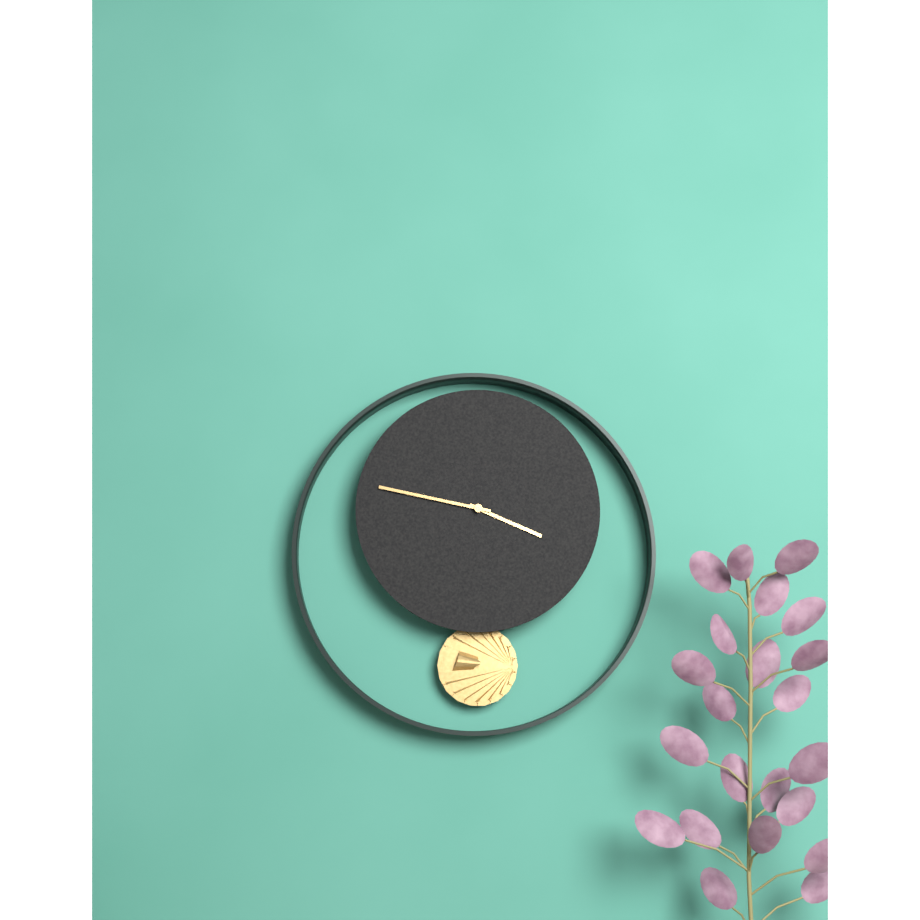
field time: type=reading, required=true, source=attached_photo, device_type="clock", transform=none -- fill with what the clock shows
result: 3:47
